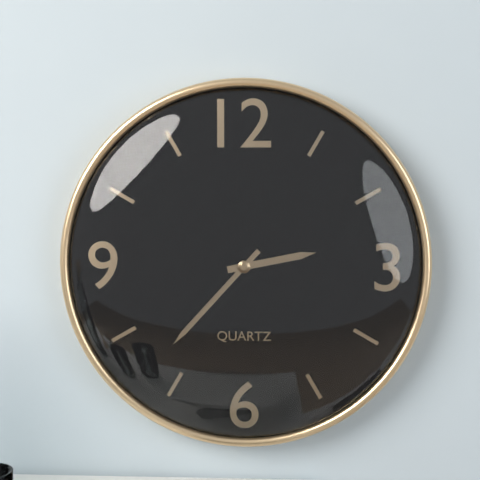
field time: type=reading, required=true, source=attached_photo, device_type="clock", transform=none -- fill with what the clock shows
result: 2:37
